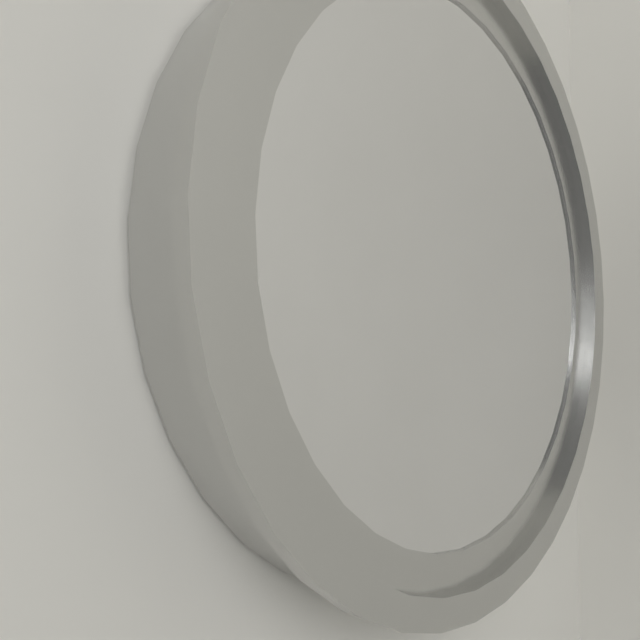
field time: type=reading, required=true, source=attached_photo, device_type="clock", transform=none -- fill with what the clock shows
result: 12:09
